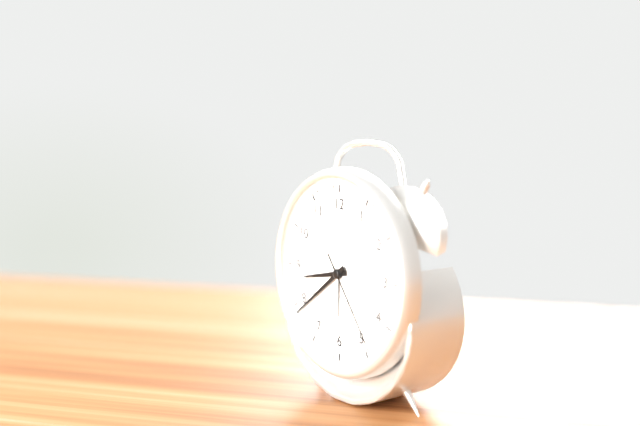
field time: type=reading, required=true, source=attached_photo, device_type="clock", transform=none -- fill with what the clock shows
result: 8:39:24
